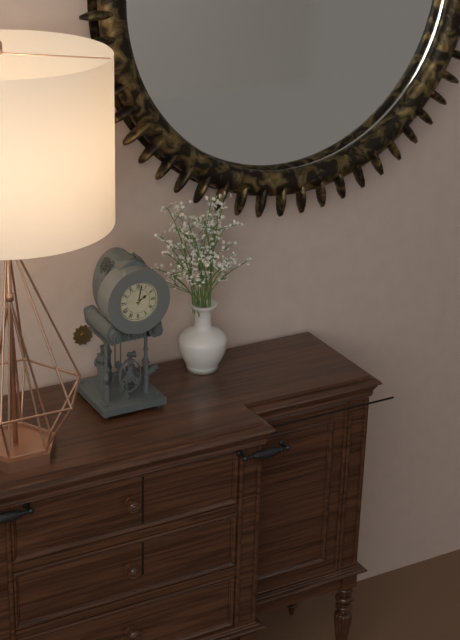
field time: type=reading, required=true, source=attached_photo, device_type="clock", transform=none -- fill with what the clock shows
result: 2:02
